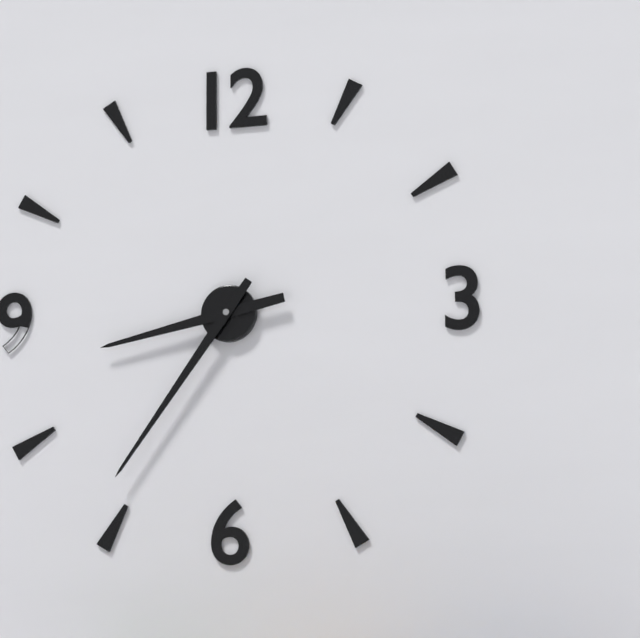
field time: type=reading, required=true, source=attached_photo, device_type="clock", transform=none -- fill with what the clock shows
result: 8:36
